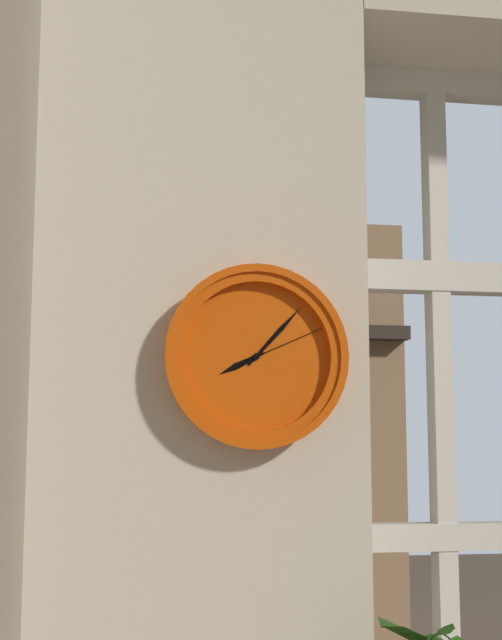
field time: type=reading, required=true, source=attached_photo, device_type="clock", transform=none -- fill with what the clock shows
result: 8:07:11
